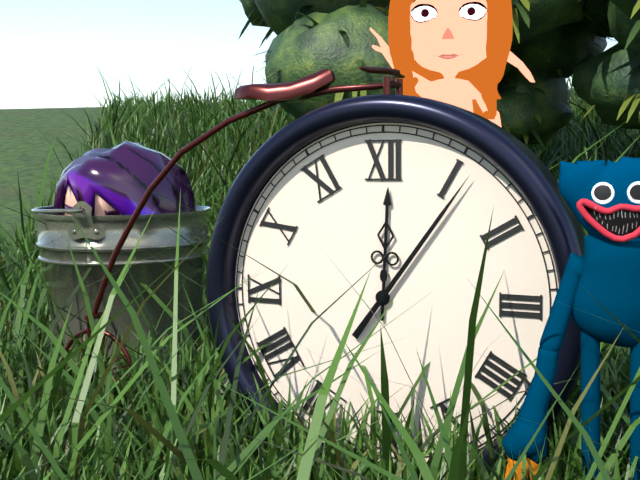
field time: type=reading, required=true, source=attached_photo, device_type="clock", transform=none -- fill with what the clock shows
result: 12:06
